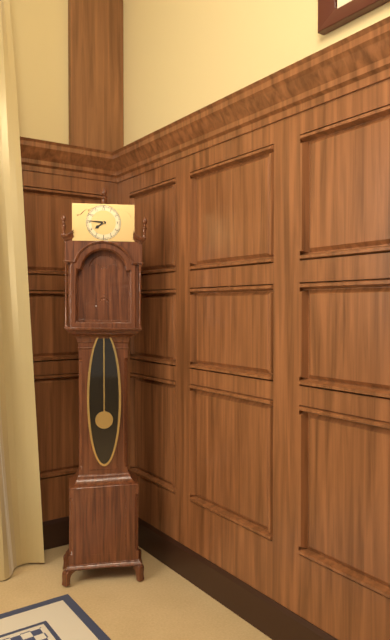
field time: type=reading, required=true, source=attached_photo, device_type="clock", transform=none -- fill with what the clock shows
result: 7:46
